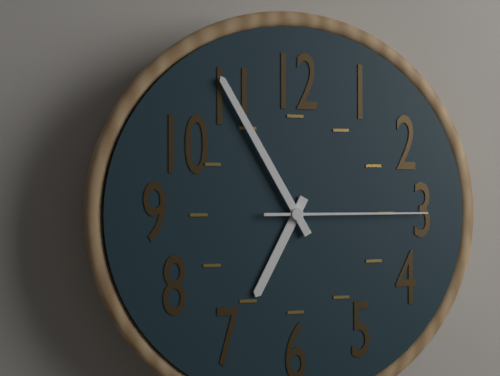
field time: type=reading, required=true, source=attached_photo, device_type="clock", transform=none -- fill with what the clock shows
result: 6:55:15
